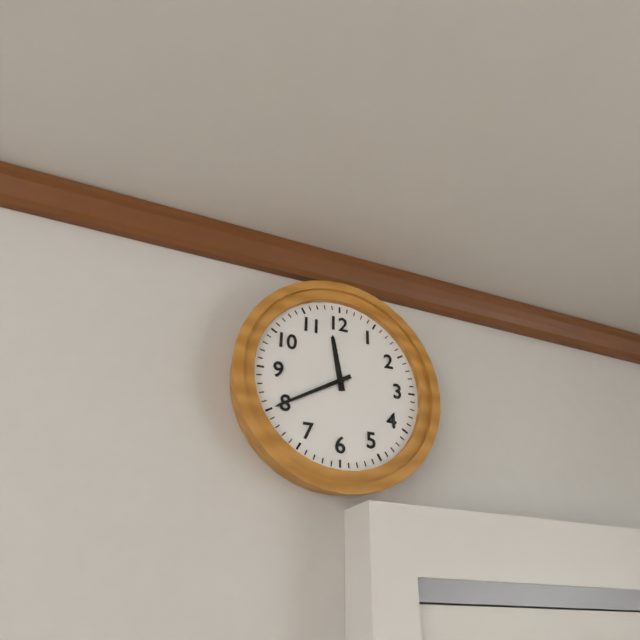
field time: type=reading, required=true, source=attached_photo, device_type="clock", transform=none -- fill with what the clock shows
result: 11:40
